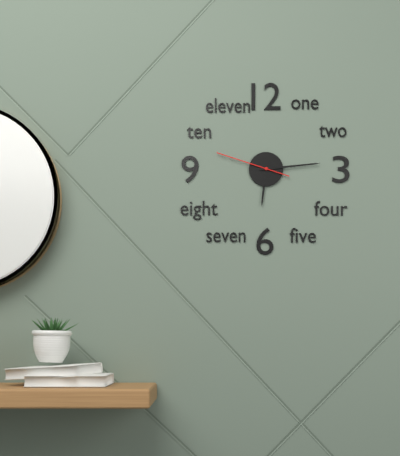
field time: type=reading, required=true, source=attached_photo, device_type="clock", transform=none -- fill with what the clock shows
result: 6:14:48
